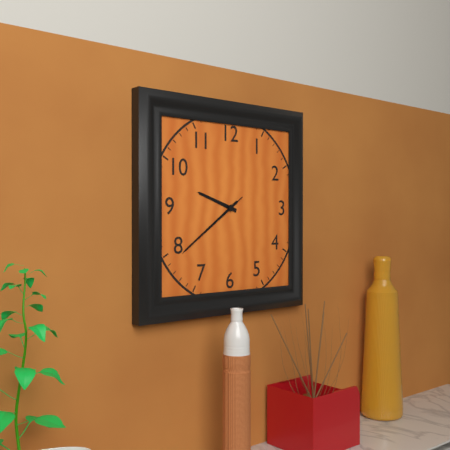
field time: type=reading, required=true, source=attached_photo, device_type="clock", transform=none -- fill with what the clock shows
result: 9:39:39
